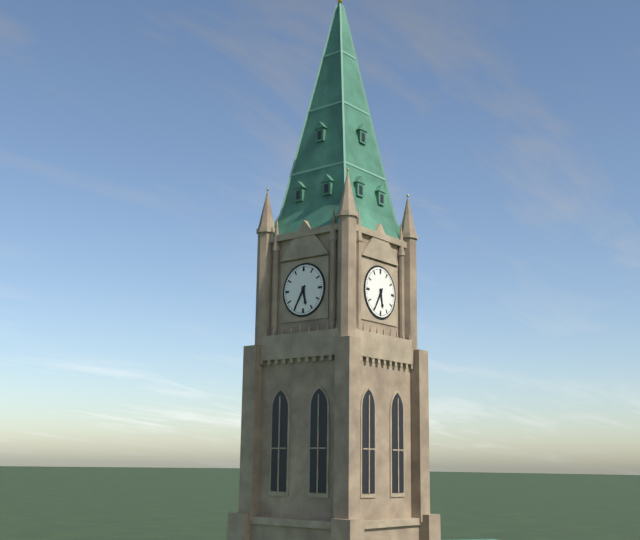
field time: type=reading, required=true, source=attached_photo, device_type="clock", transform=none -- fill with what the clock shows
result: 5:35
